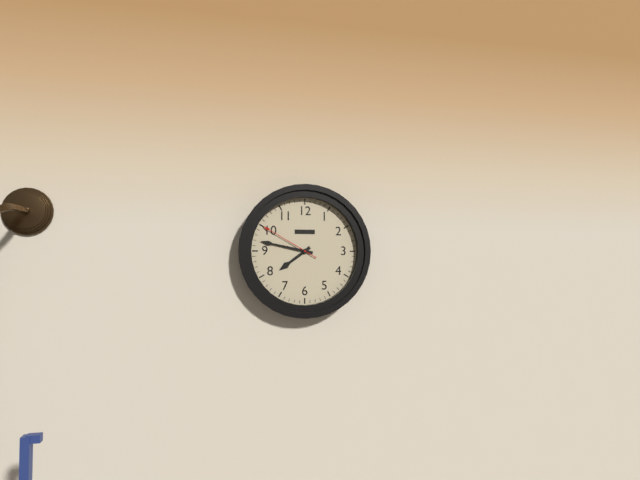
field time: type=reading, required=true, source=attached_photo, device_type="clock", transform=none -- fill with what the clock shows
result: 7:47:50
